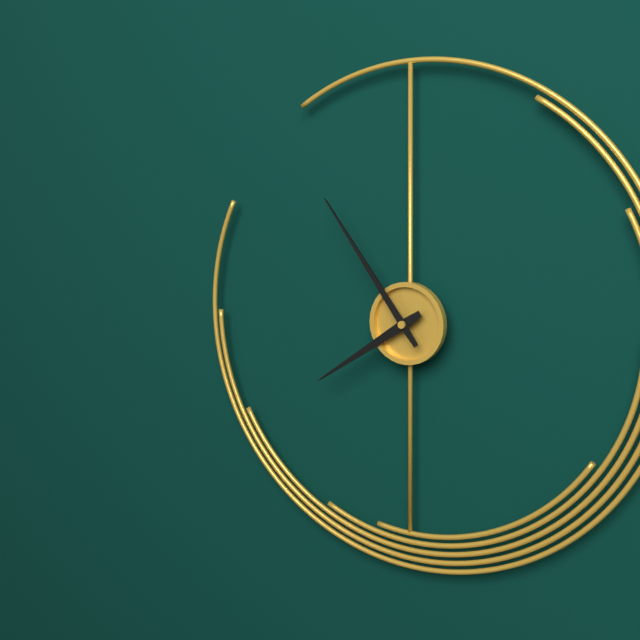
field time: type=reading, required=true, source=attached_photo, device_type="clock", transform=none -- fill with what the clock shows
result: 7:54
